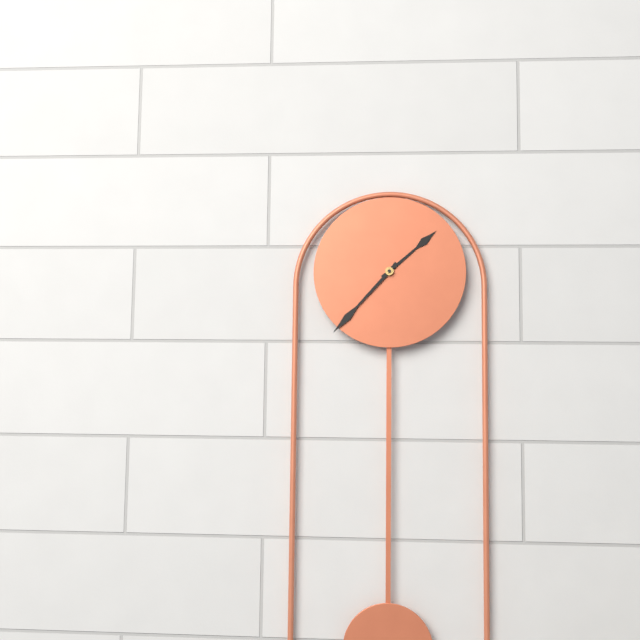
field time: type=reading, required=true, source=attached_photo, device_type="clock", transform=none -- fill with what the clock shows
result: 1:37
